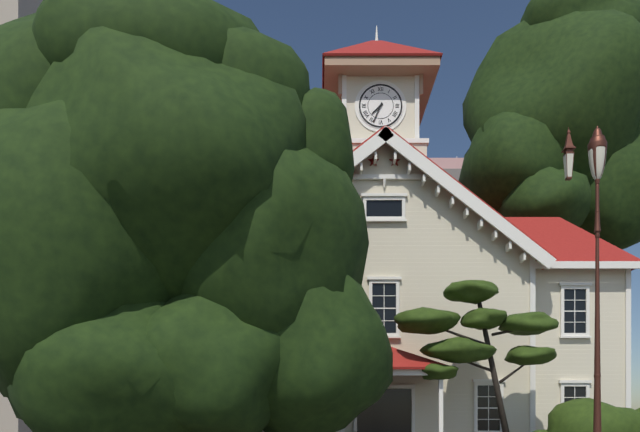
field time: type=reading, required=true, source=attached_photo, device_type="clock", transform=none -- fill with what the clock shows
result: 7:34
